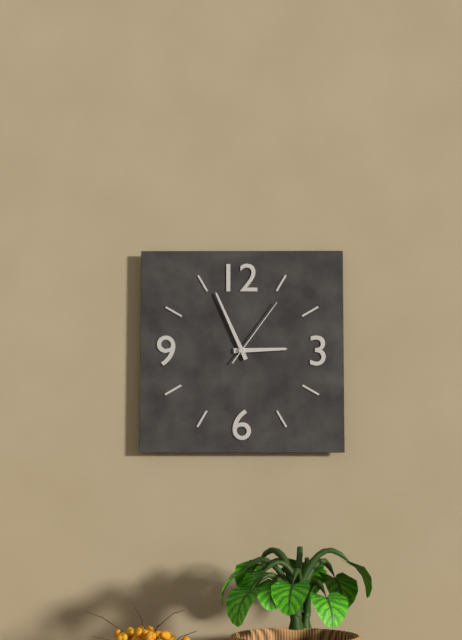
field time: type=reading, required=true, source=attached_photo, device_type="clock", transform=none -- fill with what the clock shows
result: 2:56:06
